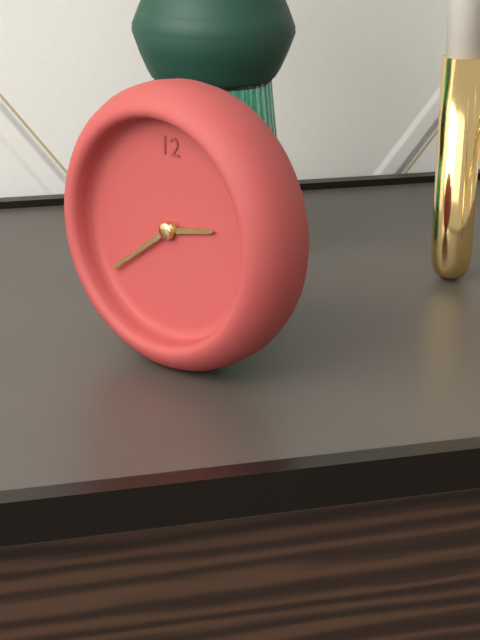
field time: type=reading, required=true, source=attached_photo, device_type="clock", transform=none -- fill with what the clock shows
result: 2:39
